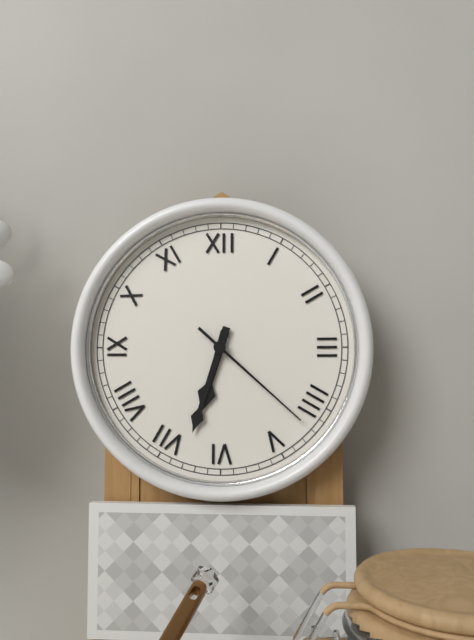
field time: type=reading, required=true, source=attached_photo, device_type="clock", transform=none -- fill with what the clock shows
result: 6:33:22
